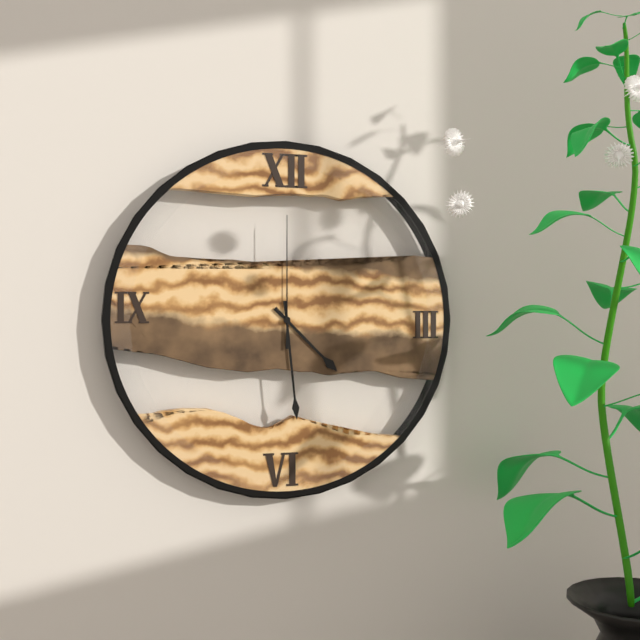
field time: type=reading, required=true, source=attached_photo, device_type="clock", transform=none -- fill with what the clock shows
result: 4:29:00
